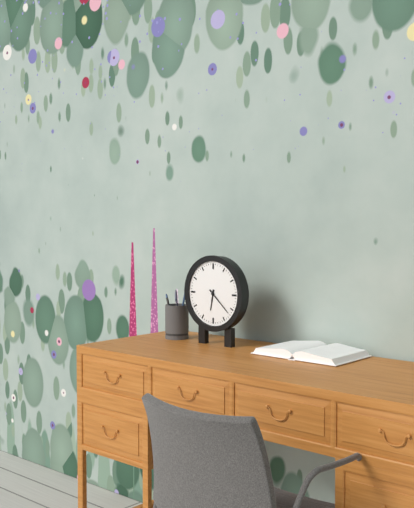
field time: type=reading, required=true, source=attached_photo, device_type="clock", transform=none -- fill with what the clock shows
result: 6:22
